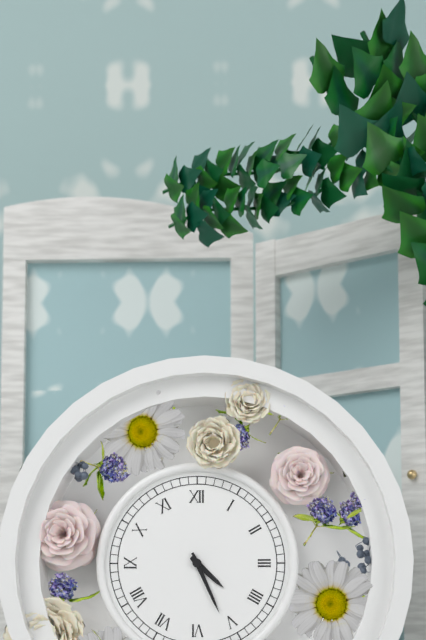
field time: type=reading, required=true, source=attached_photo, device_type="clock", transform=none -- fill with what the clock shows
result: 4:26
